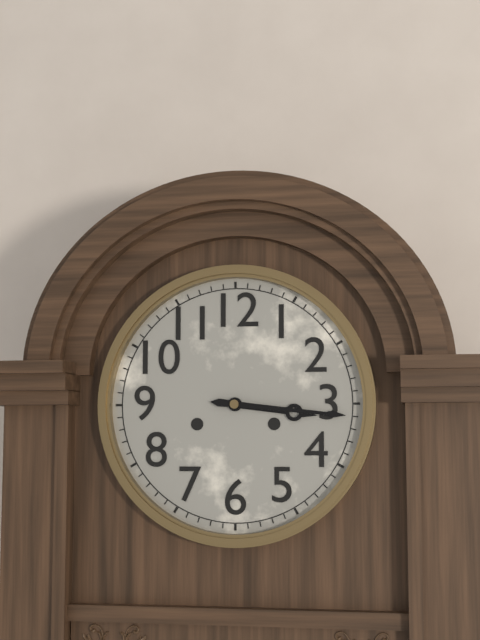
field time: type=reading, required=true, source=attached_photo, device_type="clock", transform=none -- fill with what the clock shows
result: 3:16
